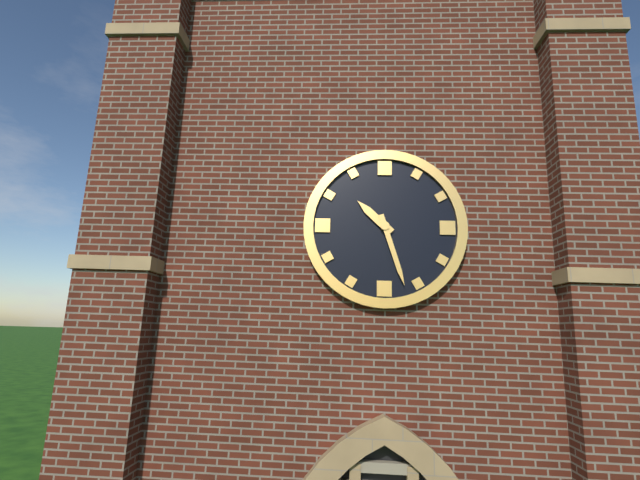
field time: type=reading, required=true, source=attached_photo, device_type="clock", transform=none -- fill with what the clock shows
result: 10:27
